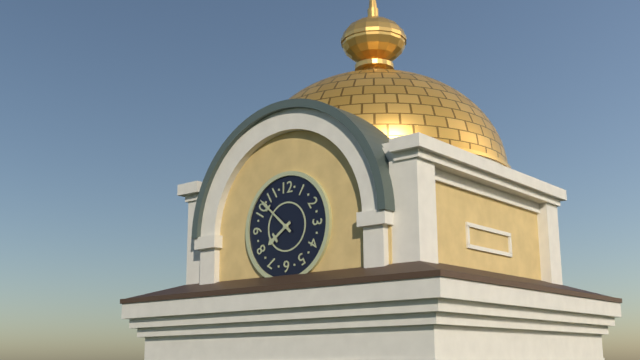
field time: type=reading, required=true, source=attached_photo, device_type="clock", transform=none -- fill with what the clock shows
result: 7:52
